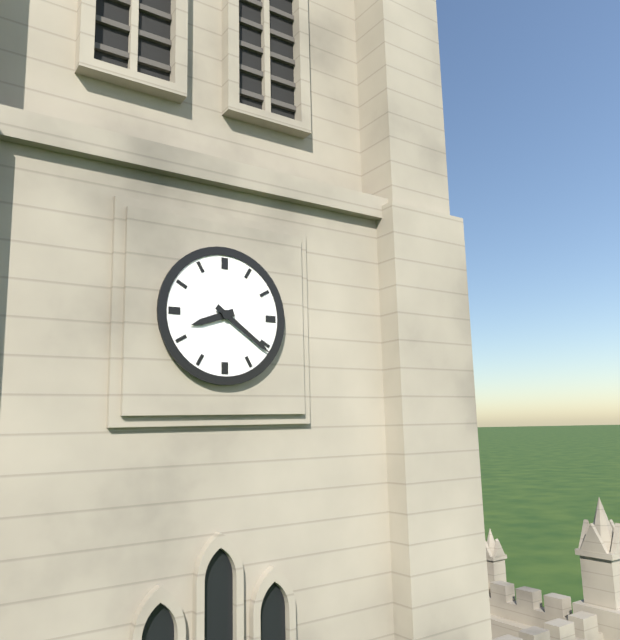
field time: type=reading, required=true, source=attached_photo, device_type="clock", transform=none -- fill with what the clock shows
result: 8:21
